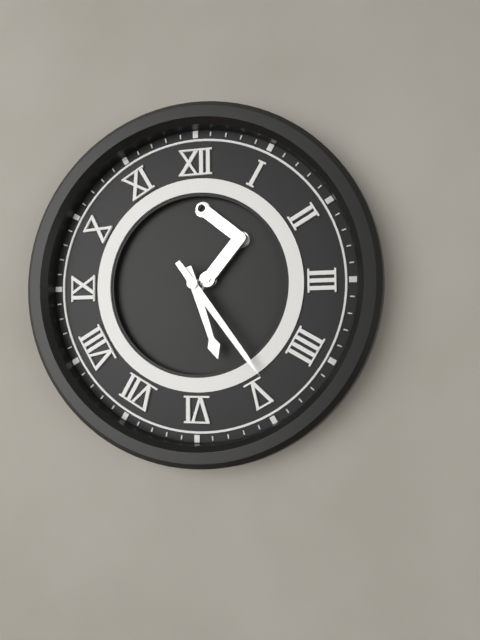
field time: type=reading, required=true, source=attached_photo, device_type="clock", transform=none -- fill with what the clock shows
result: 5:24
